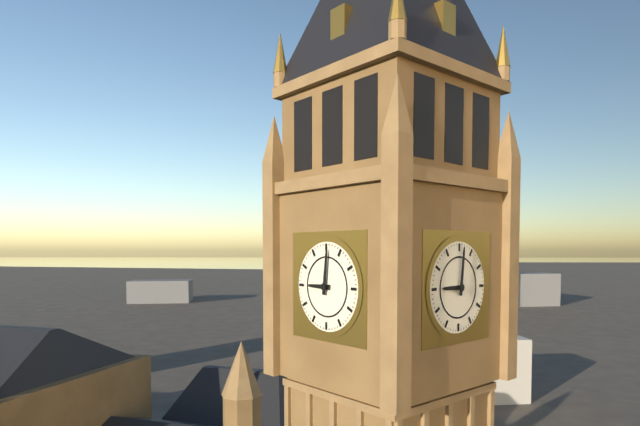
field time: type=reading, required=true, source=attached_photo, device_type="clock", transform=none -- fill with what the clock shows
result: 9:01
